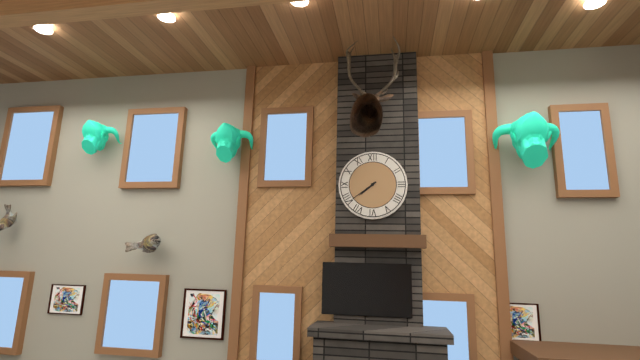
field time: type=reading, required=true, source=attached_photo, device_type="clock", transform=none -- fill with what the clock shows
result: 7:39
